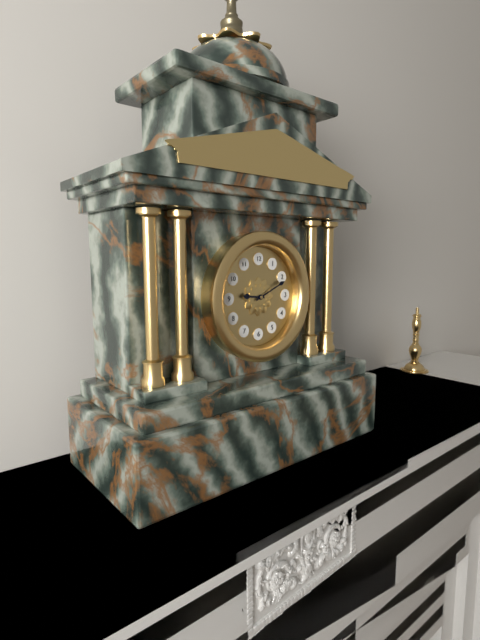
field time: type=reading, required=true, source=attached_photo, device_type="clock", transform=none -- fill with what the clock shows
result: 9:11
